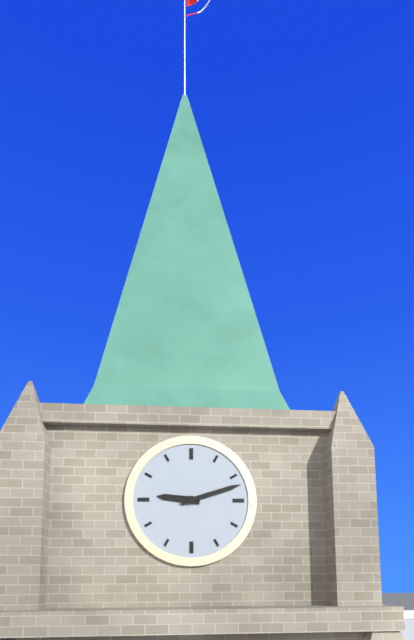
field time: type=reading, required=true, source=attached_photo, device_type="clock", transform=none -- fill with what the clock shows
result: 9:12
